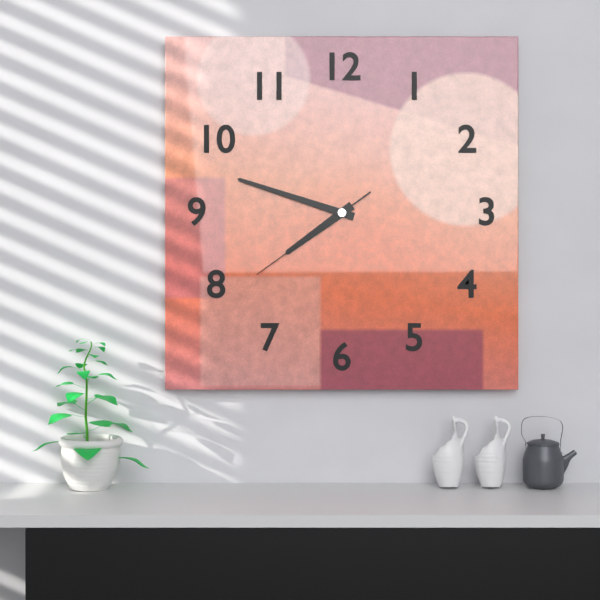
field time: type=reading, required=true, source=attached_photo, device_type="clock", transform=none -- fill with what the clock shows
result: 7:48:39
